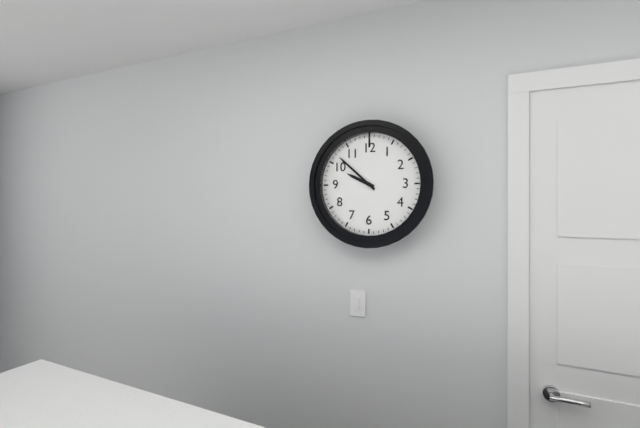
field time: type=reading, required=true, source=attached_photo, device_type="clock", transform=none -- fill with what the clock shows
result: 9:52
